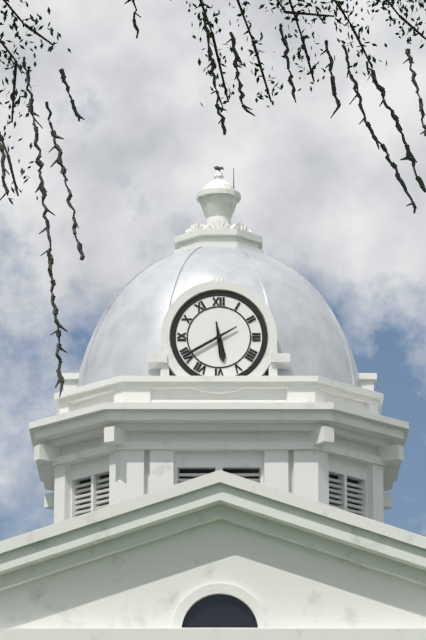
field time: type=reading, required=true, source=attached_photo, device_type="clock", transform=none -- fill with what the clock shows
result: 5:40
